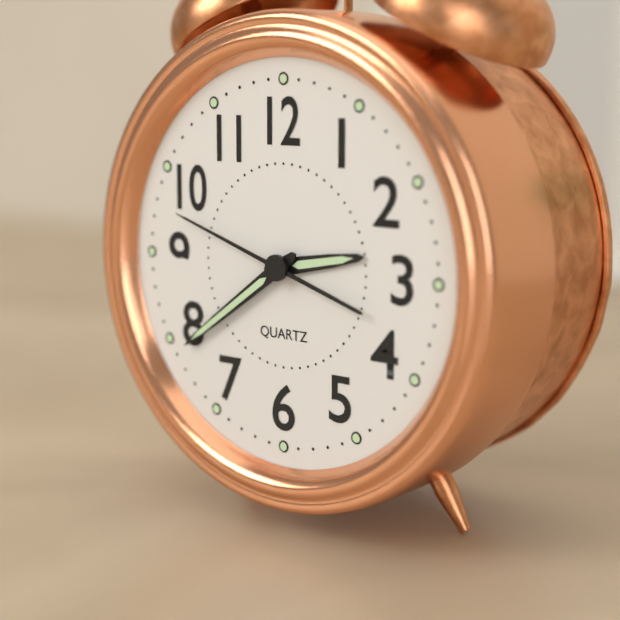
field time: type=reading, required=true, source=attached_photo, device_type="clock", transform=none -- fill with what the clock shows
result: 2:39:48
